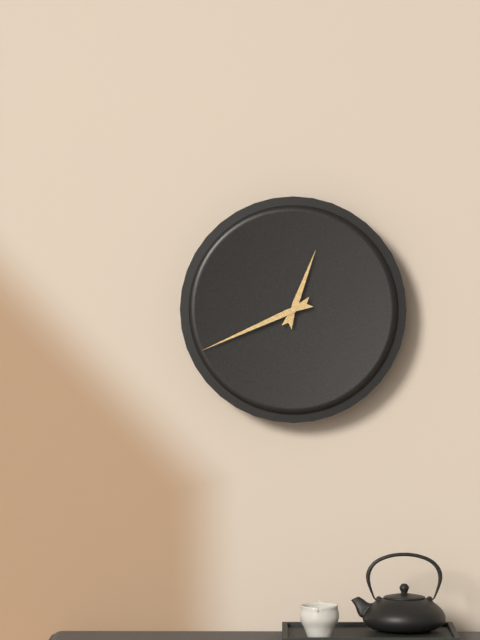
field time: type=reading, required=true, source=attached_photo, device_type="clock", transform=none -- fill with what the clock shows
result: 12:41
